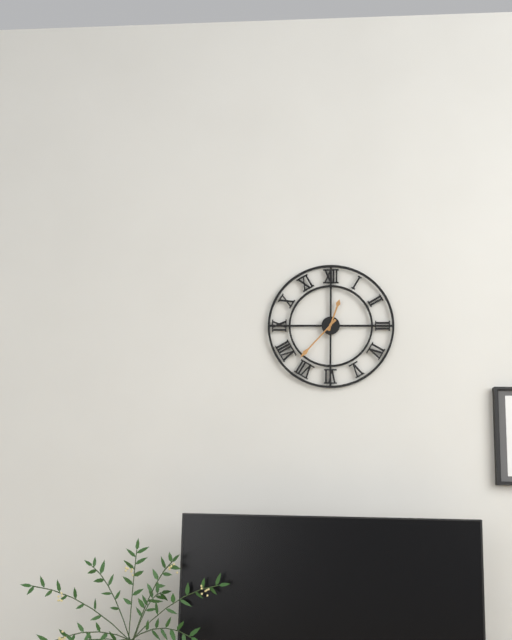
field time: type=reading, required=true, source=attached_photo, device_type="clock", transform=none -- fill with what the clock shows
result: 12:37
